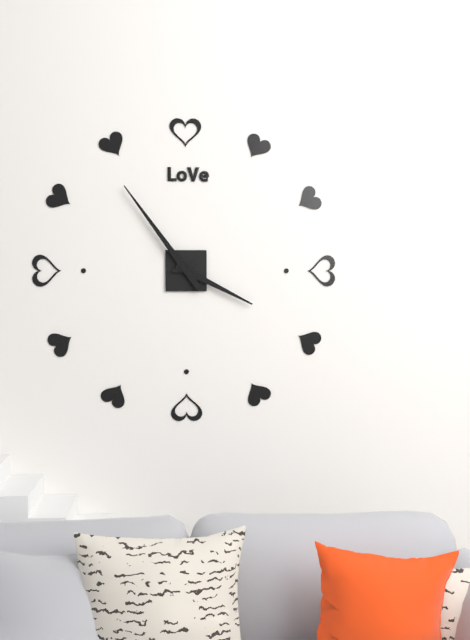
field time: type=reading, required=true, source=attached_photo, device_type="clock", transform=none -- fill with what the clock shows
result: 3:54
